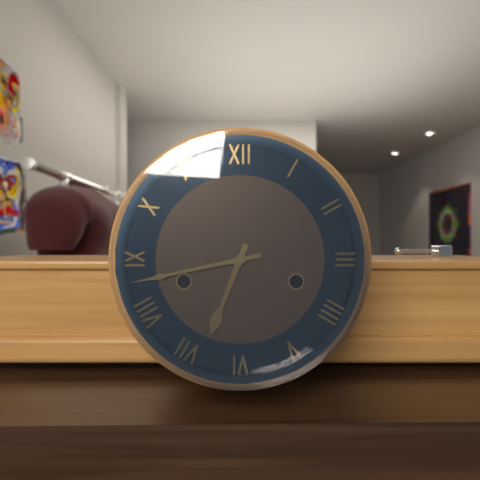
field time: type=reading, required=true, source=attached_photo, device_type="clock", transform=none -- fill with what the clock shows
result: 6:43
